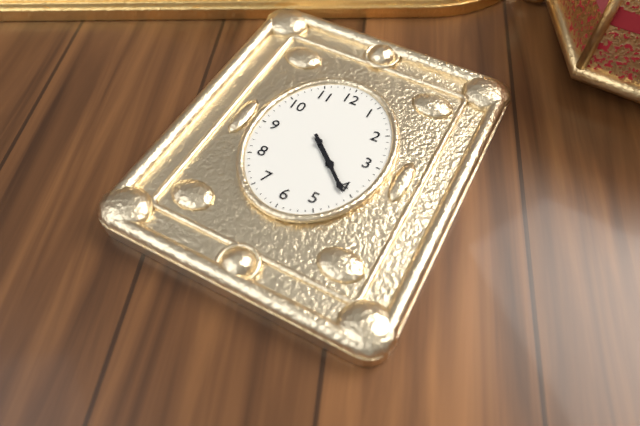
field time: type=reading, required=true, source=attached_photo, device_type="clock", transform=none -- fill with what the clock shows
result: 4:22
